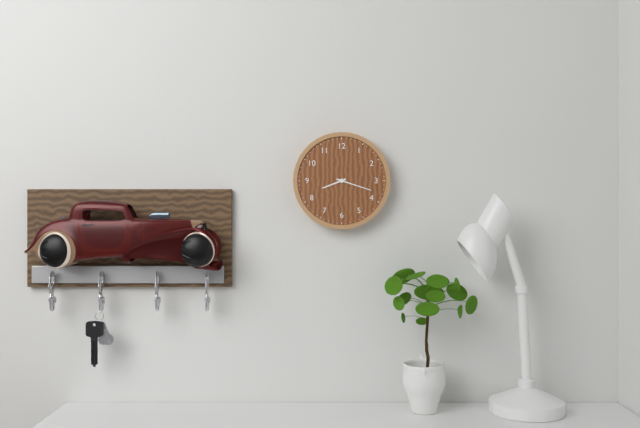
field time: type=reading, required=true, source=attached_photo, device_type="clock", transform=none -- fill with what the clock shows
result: 8:18
